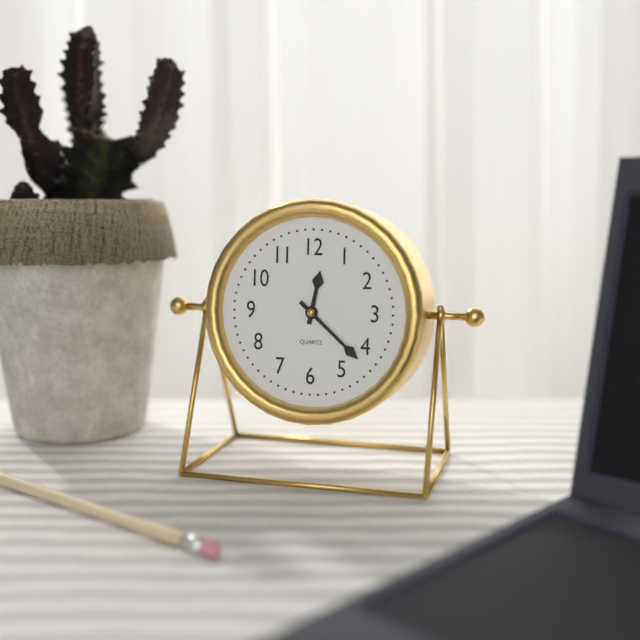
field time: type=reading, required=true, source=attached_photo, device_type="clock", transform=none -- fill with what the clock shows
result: 12:22
